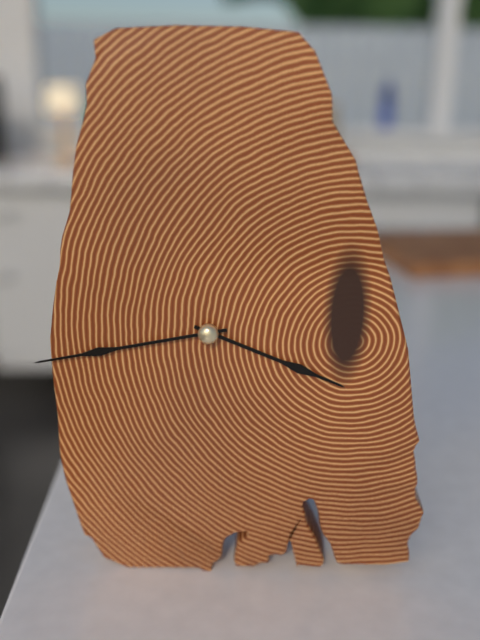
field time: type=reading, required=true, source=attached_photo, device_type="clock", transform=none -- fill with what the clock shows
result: 3:43
